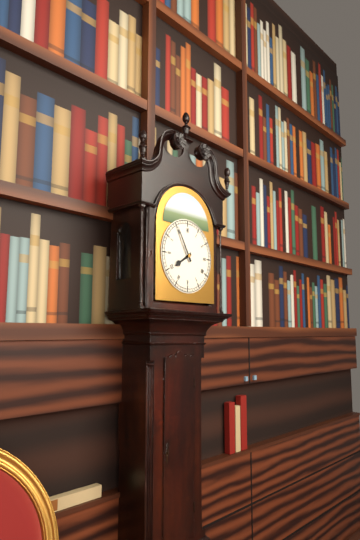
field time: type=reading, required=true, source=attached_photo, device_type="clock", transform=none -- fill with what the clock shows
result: 7:55
